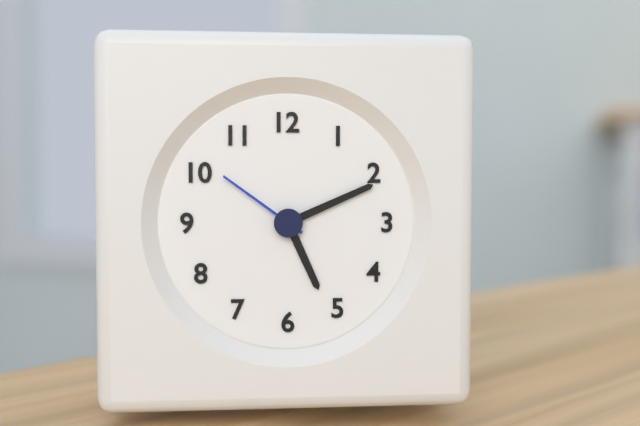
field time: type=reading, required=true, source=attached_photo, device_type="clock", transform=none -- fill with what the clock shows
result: 5:11:51
